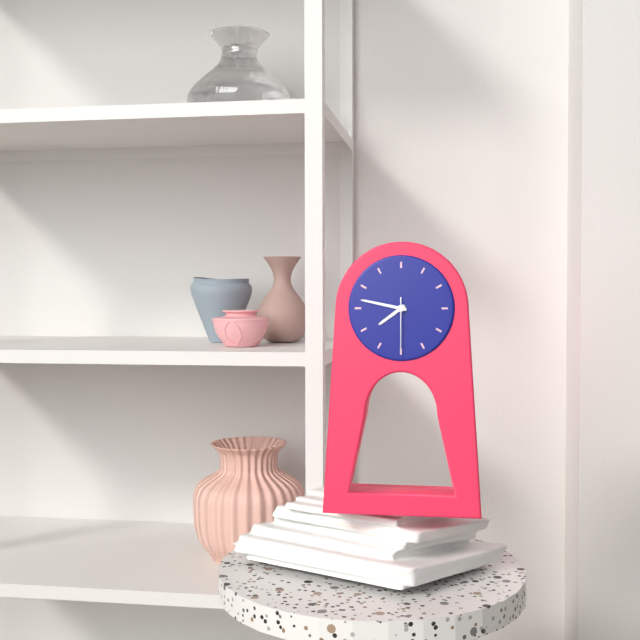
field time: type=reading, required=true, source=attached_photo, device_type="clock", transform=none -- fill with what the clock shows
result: 7:47:30
